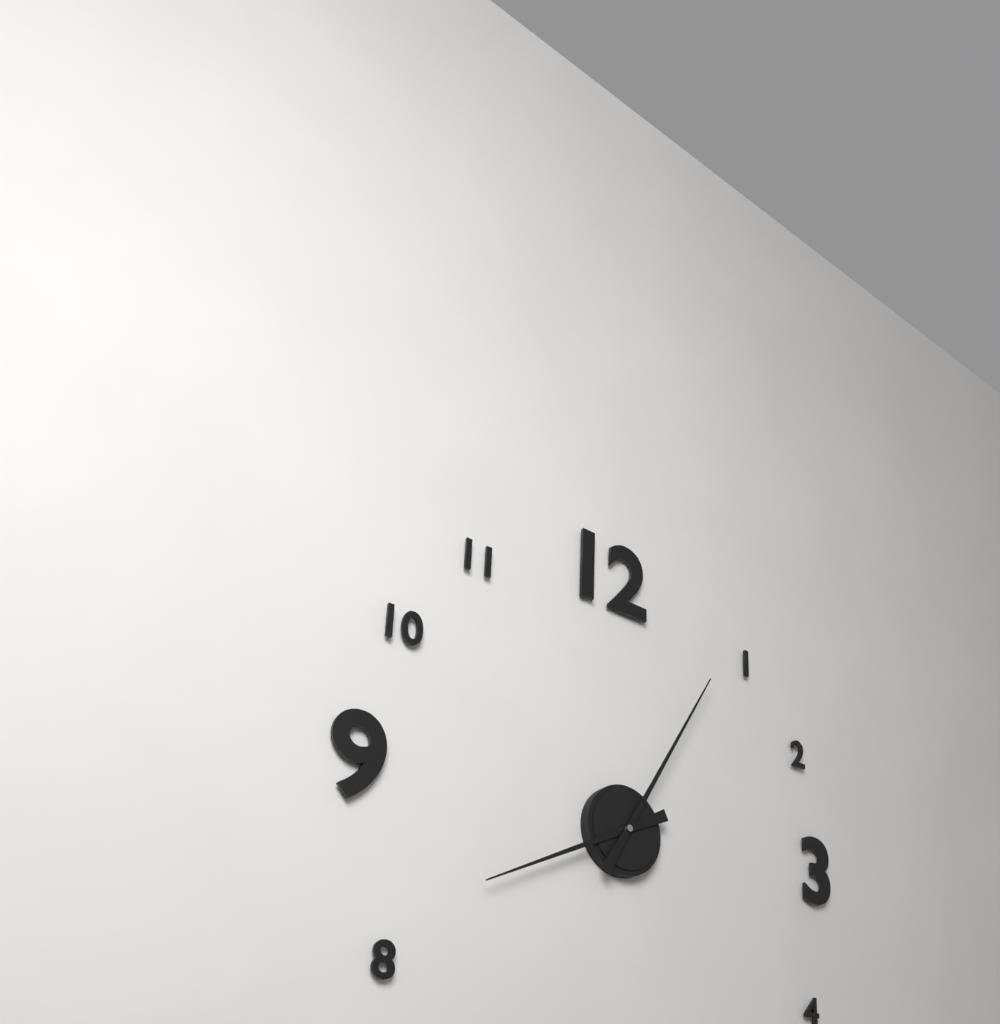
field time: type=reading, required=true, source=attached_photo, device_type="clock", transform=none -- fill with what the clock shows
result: 8:05
